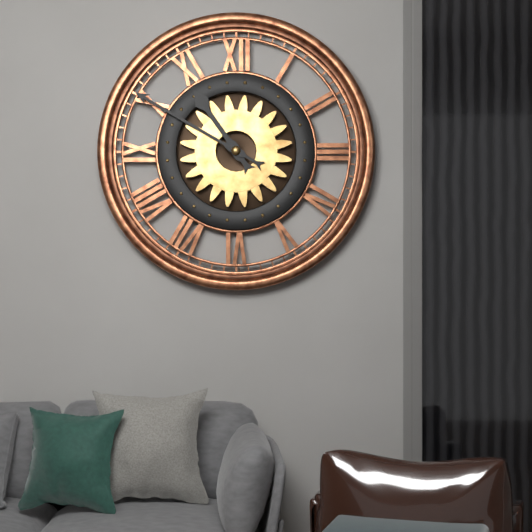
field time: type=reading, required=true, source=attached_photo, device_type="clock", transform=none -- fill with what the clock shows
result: 10:50
